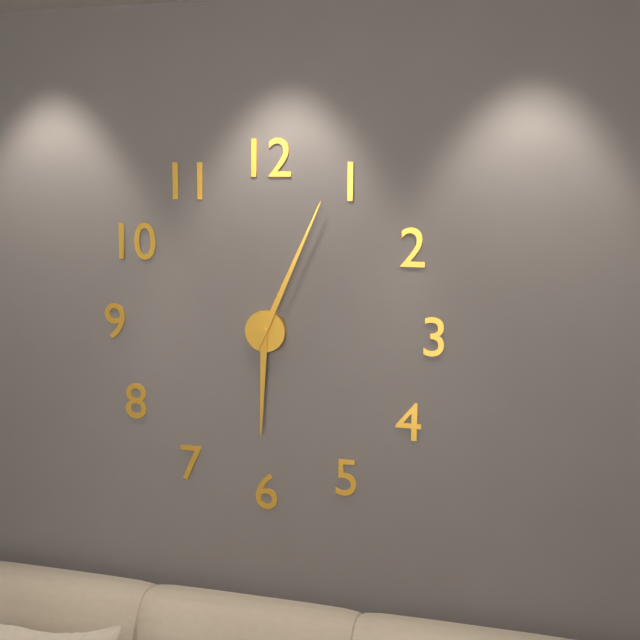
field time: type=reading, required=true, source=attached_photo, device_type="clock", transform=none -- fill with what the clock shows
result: 6:04
